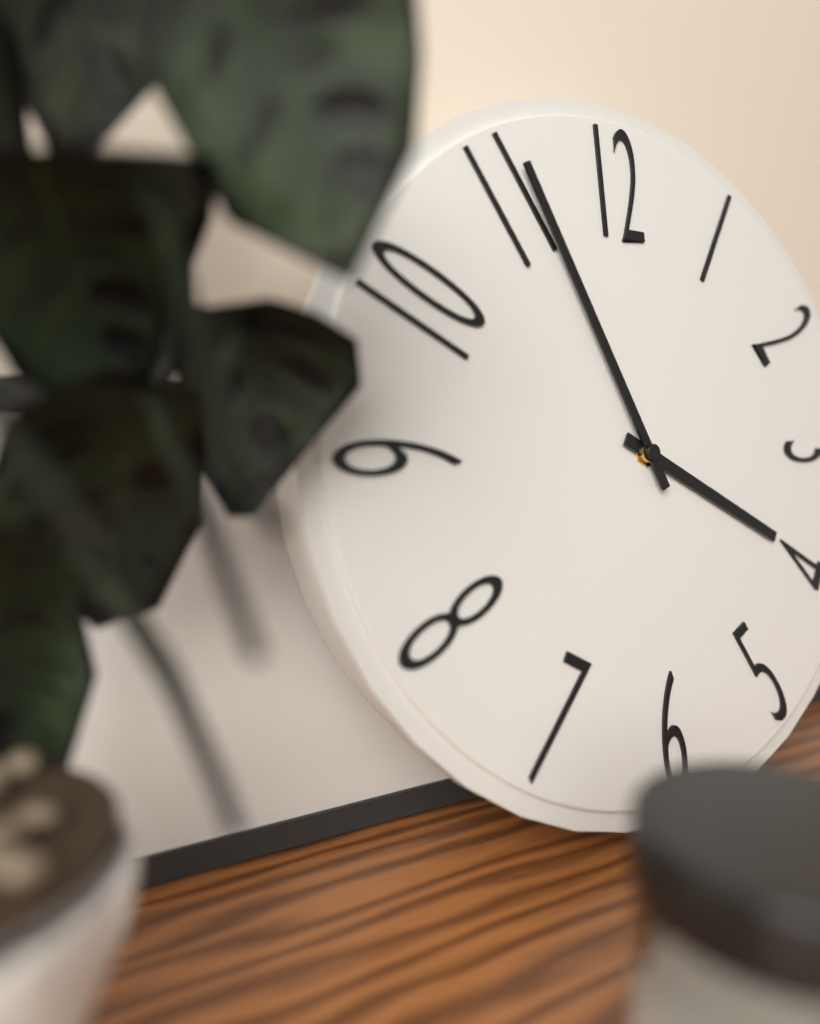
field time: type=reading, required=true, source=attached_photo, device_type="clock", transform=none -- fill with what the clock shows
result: 3:56
